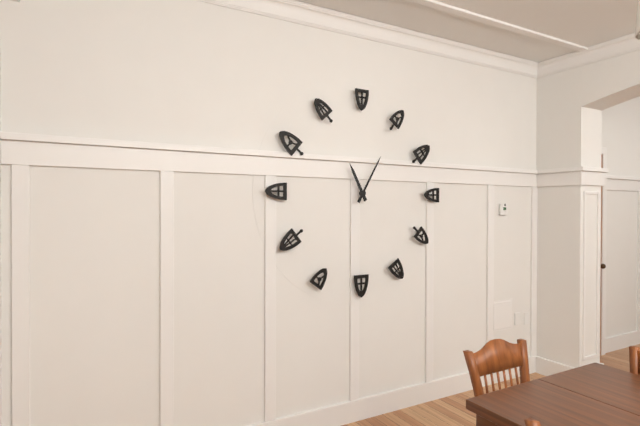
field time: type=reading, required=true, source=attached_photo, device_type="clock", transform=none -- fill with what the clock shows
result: 11:05
